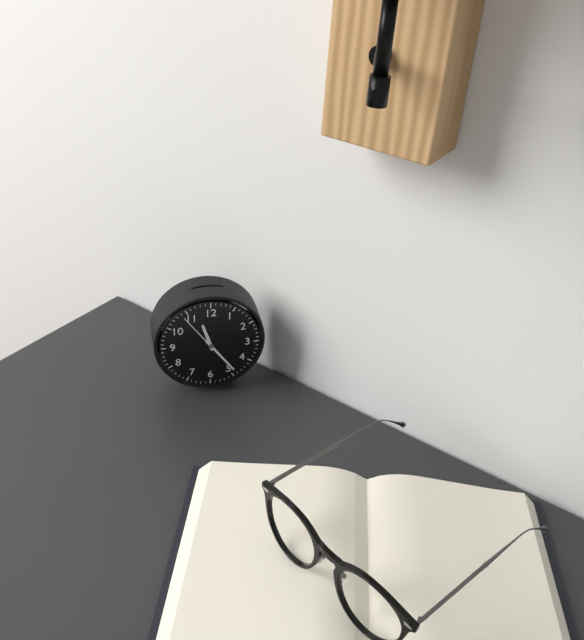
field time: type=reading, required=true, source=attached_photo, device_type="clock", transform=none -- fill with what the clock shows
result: 11:24
